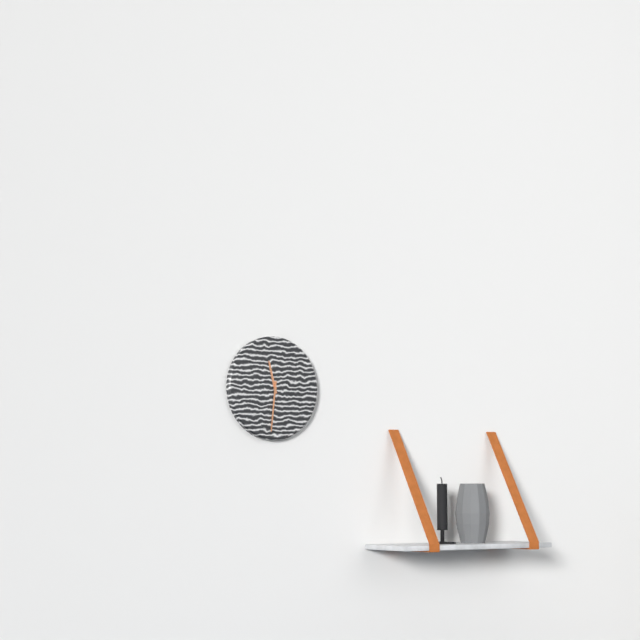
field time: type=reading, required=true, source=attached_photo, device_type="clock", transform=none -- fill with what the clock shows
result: 11:31
